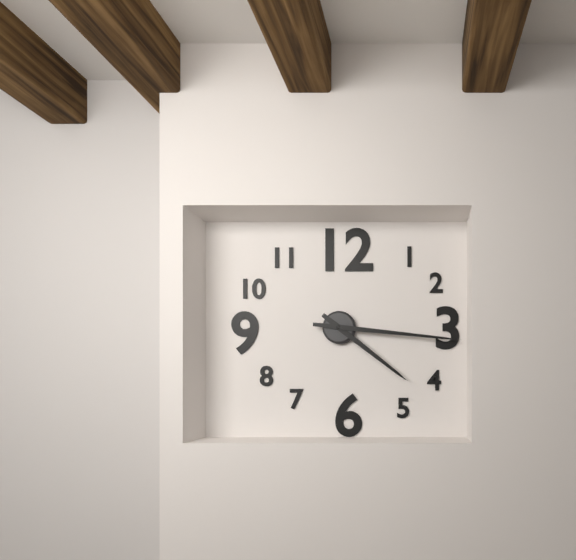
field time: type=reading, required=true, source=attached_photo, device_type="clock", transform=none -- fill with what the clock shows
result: 4:16
